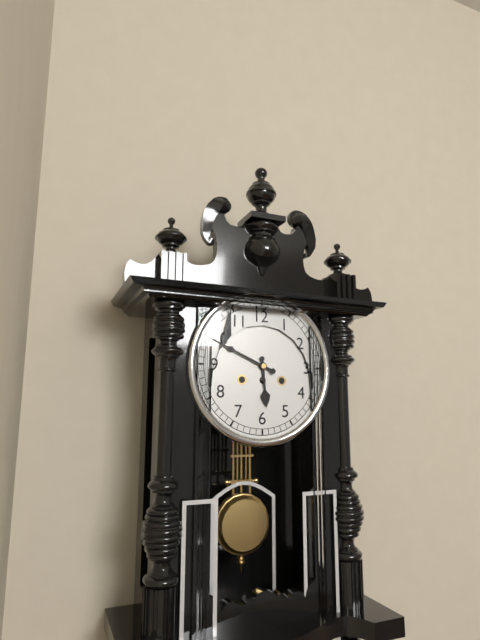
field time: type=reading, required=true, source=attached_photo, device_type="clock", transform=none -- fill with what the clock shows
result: 5:49
